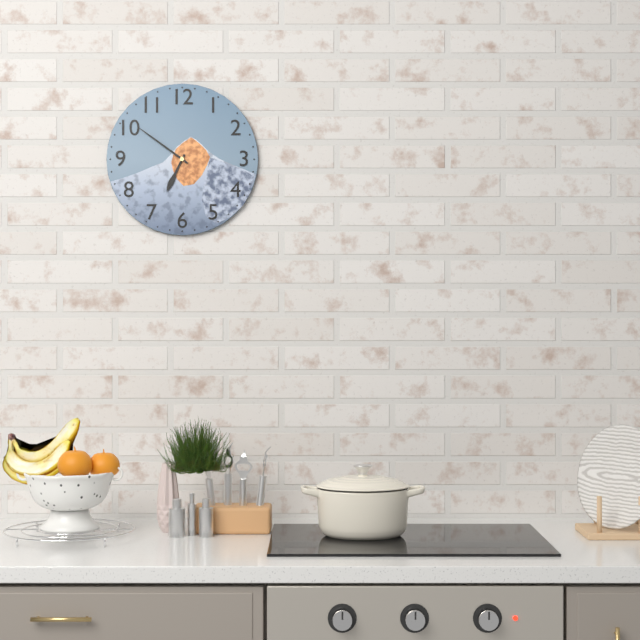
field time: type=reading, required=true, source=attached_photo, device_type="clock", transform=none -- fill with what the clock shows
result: 6:51
